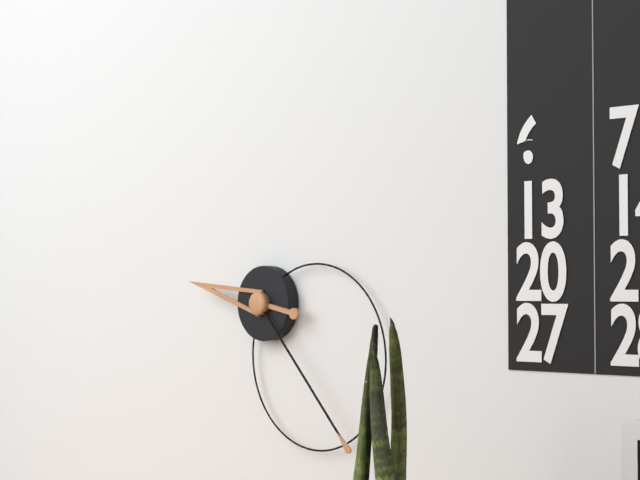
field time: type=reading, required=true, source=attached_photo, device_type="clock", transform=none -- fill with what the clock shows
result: 9:23
